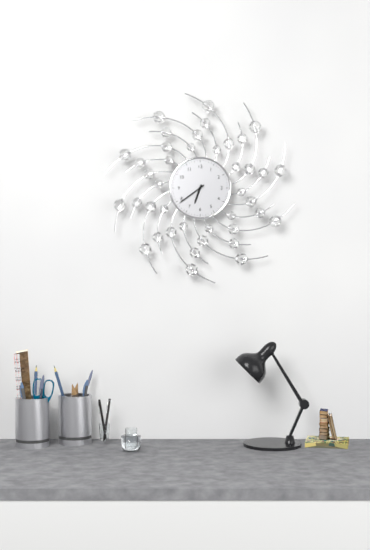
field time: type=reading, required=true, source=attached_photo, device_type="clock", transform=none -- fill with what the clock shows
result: 6:39
